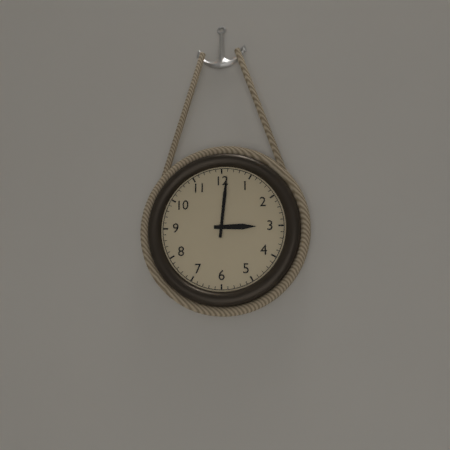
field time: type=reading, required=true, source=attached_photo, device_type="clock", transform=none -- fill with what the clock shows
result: 3:01
